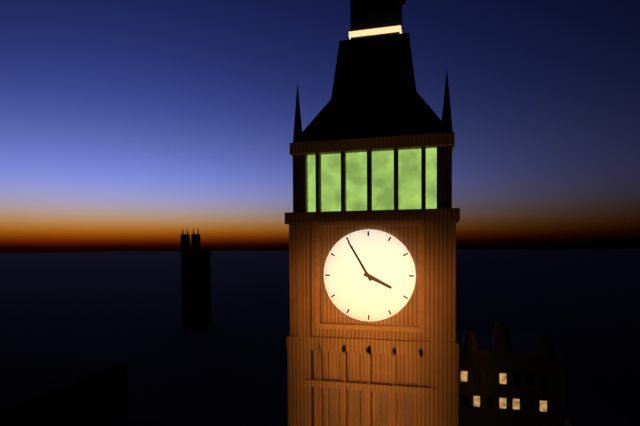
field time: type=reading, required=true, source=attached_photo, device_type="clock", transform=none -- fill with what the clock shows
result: 3:55
